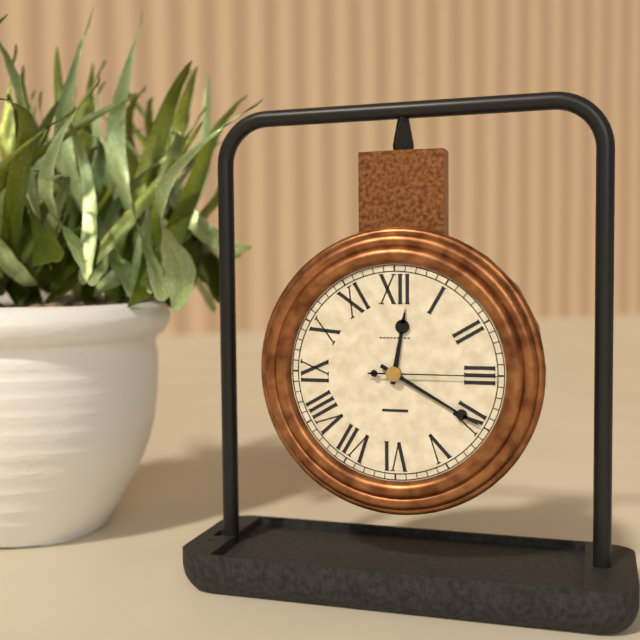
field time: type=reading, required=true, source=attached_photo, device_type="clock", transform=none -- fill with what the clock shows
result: 12:20:15
